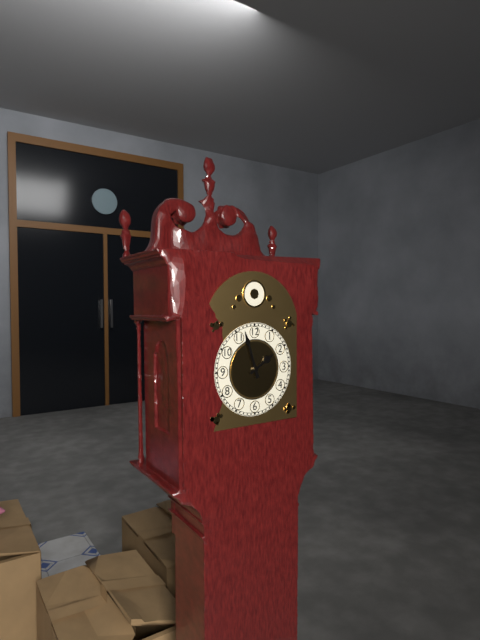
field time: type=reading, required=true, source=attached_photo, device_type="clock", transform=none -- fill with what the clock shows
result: 1:57
